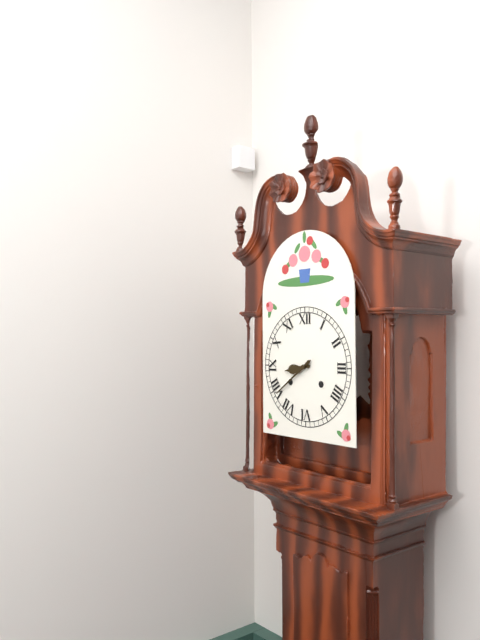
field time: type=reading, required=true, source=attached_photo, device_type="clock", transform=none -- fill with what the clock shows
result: 8:39
